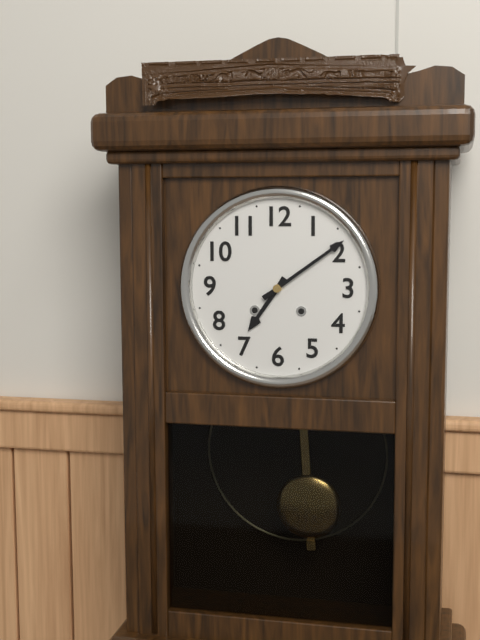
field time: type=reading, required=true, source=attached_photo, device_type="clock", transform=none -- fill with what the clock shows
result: 7:09
